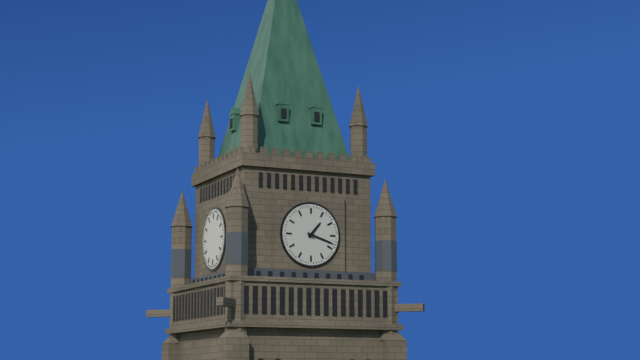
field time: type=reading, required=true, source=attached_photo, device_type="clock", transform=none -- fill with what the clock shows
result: 1:18
